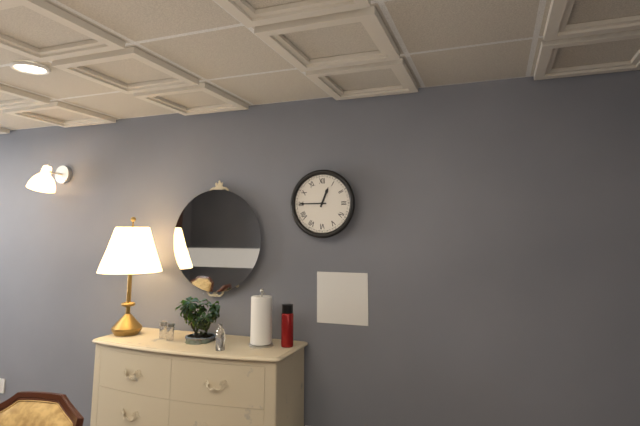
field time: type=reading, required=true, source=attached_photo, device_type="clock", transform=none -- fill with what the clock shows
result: 12:45
